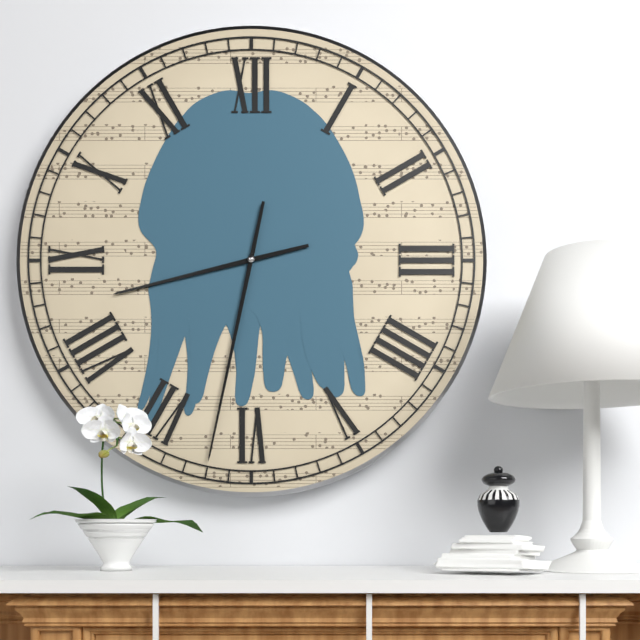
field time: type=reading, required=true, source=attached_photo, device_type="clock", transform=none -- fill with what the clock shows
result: 8:32
